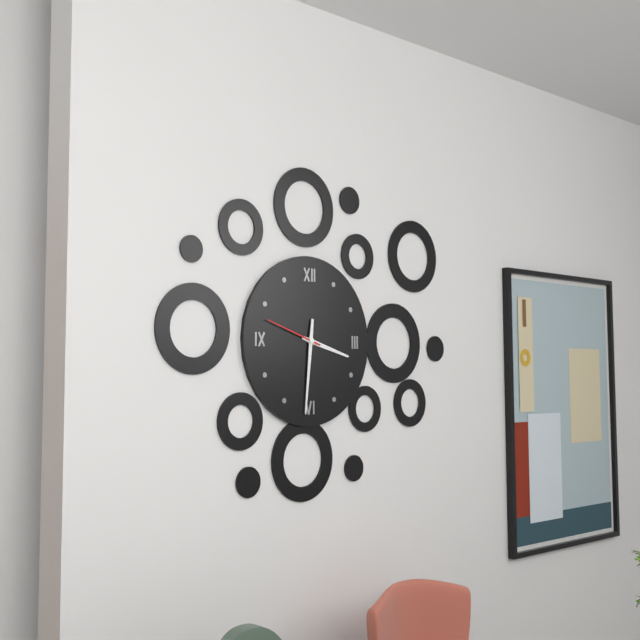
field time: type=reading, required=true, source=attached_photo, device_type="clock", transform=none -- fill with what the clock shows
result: 3:31:48
